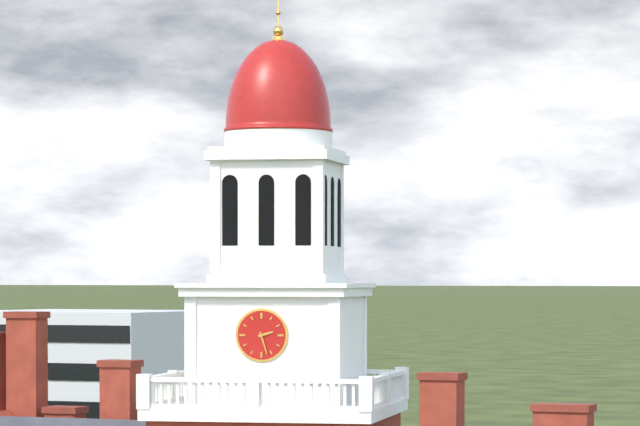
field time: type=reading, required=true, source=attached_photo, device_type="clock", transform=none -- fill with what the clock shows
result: 2:27
